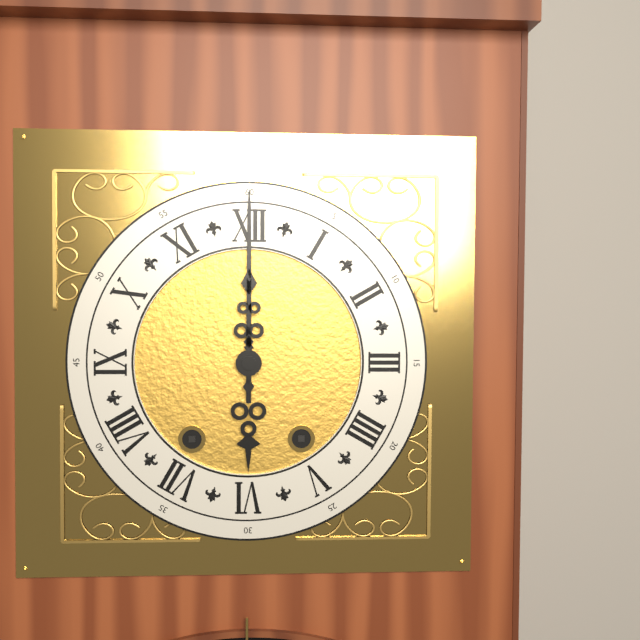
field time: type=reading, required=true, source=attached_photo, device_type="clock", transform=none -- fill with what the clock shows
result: 6:00
